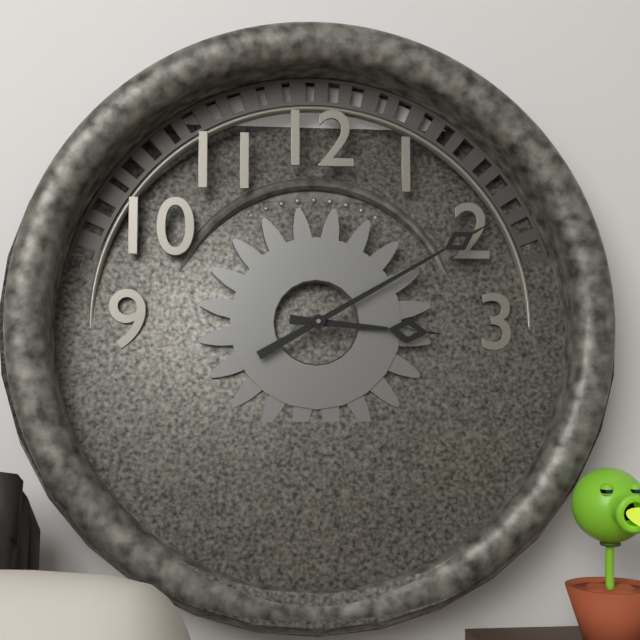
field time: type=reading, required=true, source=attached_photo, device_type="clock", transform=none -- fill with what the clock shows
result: 3:10
